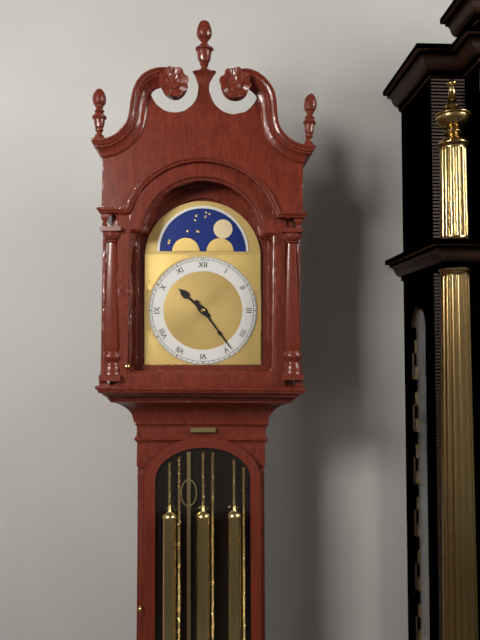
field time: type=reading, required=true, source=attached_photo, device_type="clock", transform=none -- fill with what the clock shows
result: 10:24
